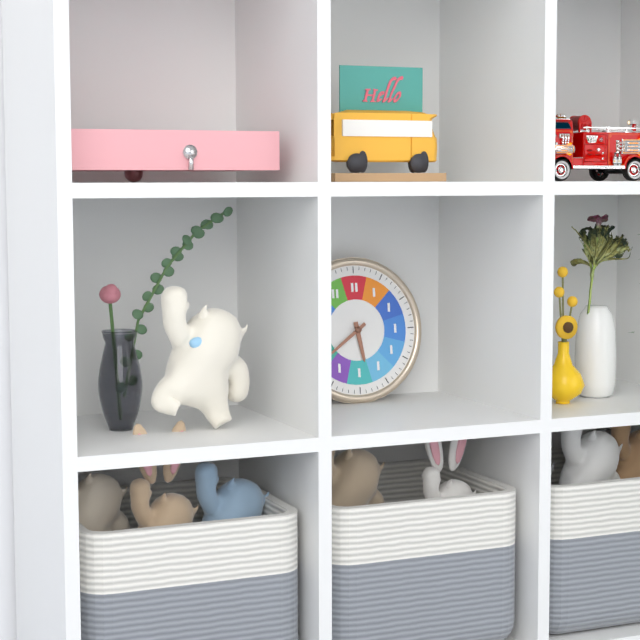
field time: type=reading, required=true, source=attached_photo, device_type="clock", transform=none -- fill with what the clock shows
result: 5:39
